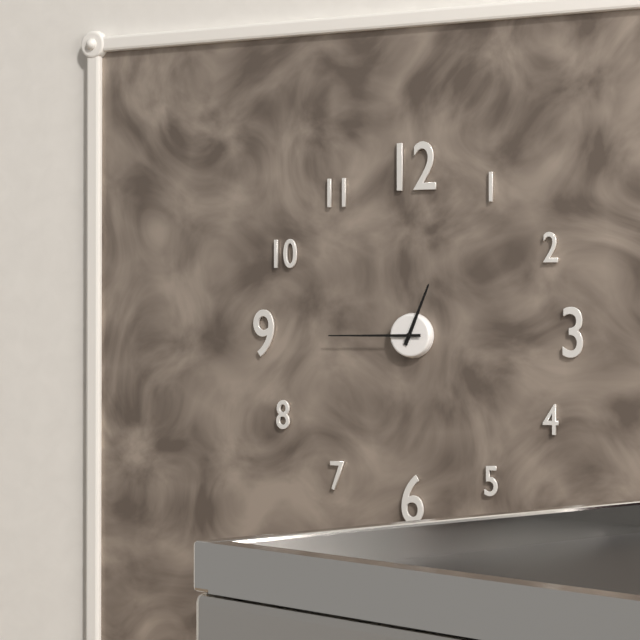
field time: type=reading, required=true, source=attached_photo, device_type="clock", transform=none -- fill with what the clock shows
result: 12:45
